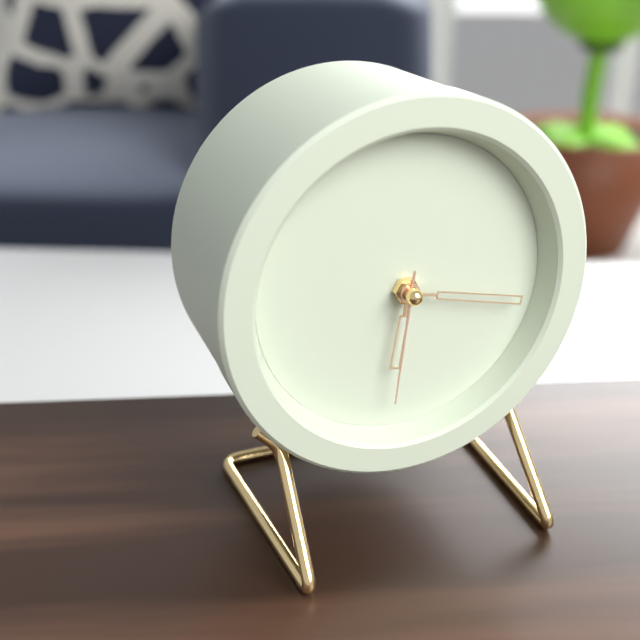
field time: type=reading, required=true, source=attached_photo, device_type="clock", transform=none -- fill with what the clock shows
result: 6:17:31
